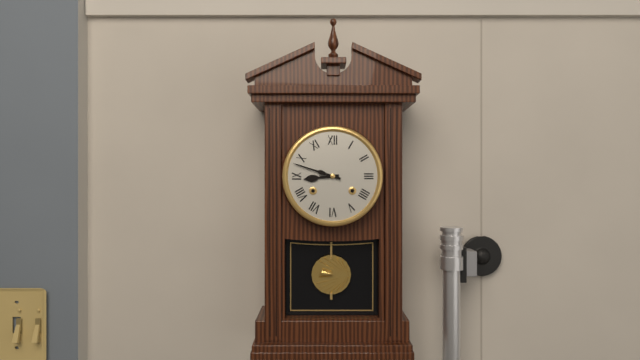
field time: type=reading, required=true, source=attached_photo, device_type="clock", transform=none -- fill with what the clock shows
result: 8:48
